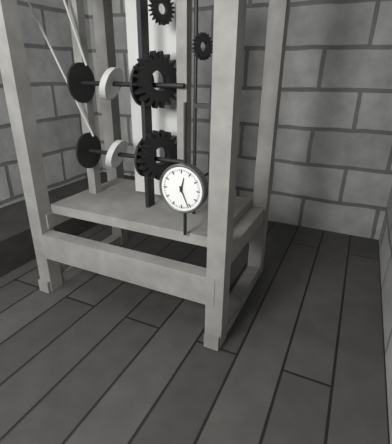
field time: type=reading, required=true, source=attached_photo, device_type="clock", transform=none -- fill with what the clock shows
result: 12:26
